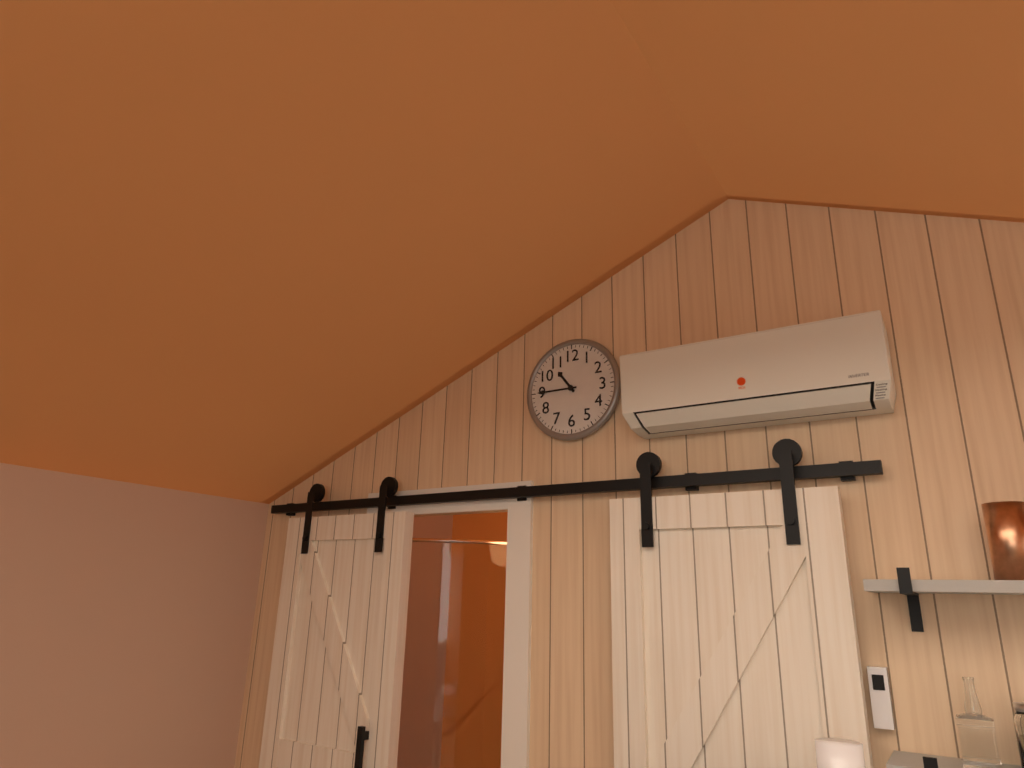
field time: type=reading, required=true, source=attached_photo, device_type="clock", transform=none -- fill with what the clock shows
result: 10:45
